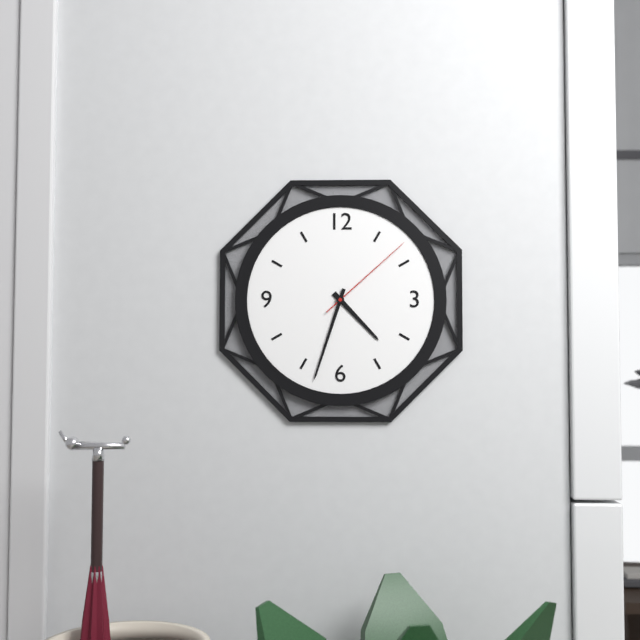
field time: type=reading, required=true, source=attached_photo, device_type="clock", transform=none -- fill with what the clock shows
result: 4:33:08
